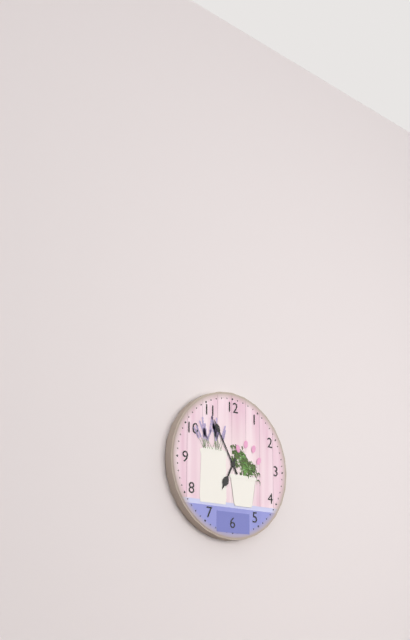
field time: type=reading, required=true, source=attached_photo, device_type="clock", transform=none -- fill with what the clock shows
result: 6:55
